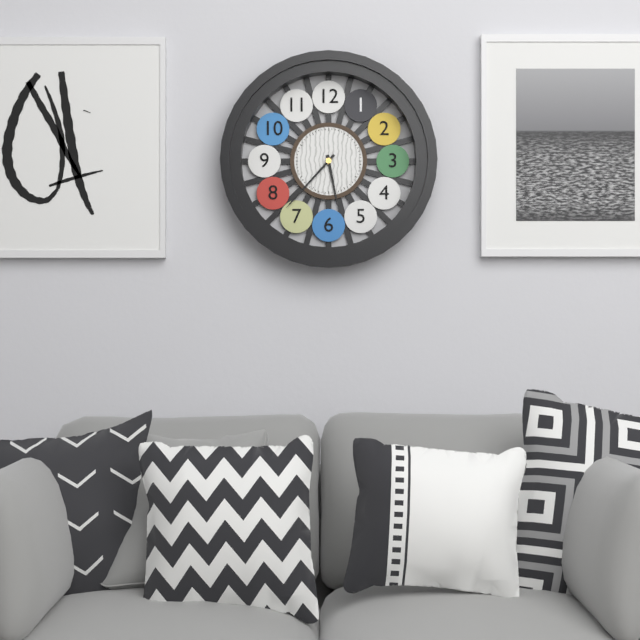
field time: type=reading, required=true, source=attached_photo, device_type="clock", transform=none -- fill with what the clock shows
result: 5:37
